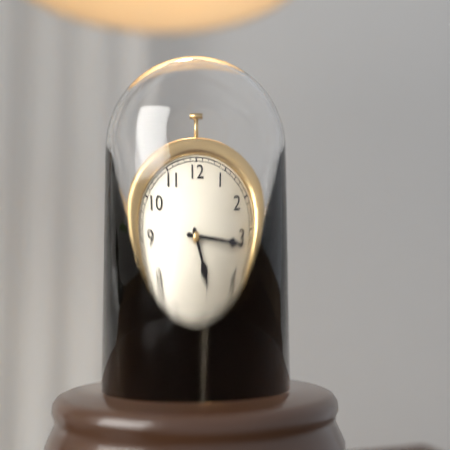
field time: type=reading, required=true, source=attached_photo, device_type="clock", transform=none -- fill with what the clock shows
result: 5:16
